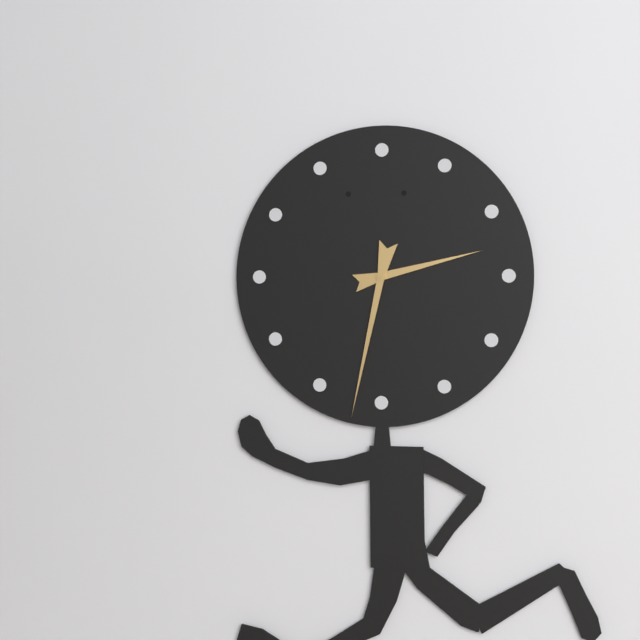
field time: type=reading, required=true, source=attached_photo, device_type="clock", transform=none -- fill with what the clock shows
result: 2:32
